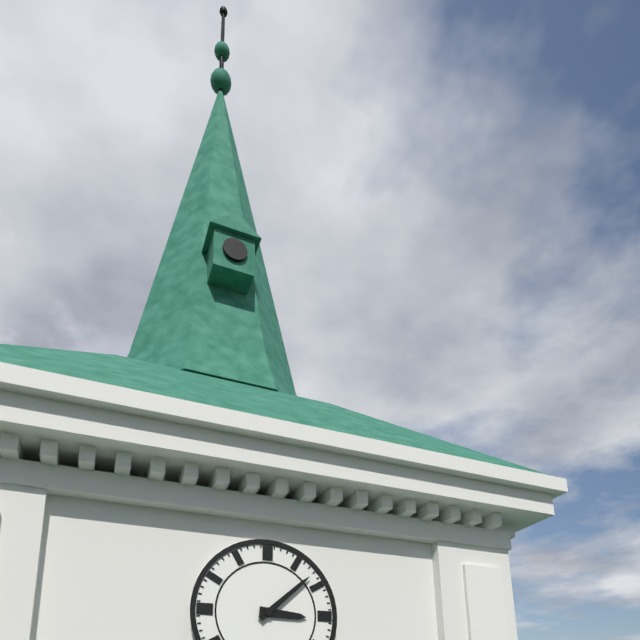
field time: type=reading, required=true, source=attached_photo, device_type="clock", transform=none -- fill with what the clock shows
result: 3:08
